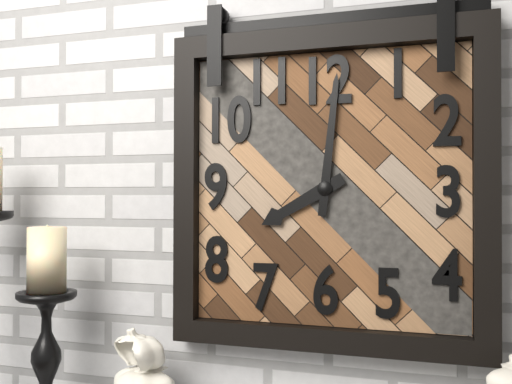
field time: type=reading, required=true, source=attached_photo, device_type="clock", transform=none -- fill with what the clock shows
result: 8:01
